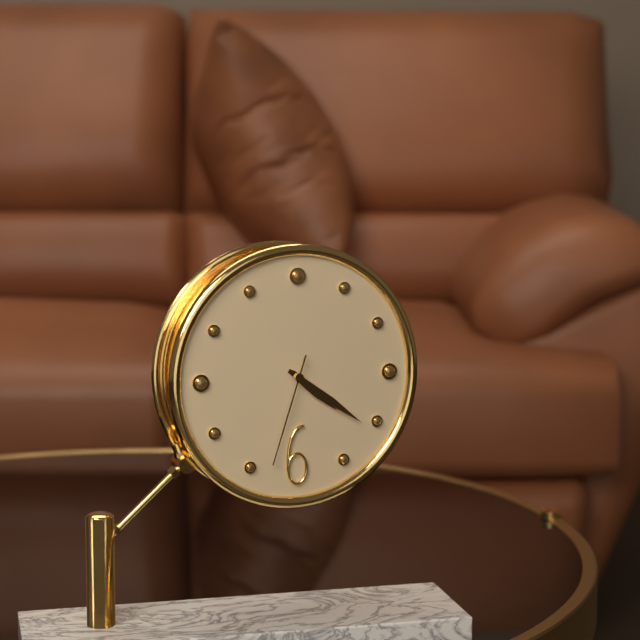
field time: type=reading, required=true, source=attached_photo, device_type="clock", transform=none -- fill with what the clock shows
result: 4:21:33
